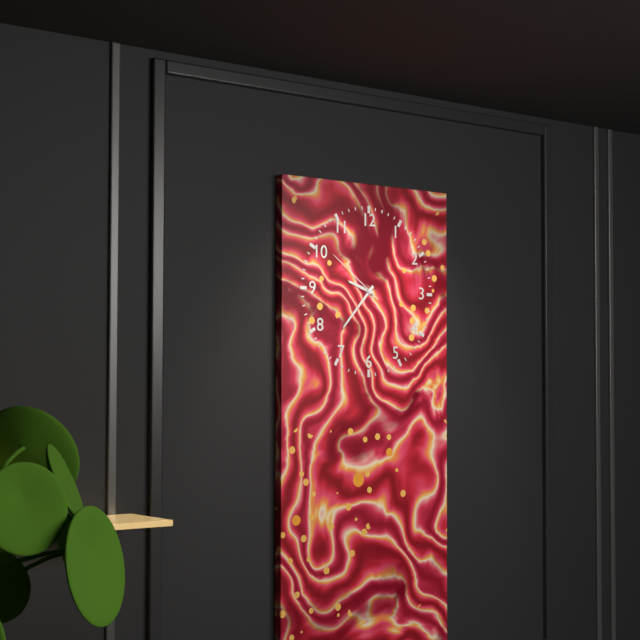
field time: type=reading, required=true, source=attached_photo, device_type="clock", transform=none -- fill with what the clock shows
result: 9:37:51
